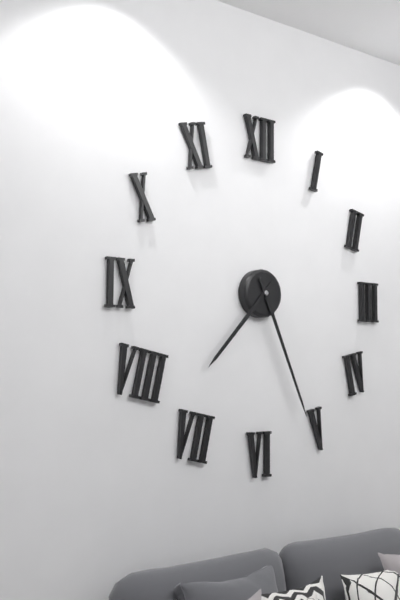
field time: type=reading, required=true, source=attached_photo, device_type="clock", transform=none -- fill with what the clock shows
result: 7:26
